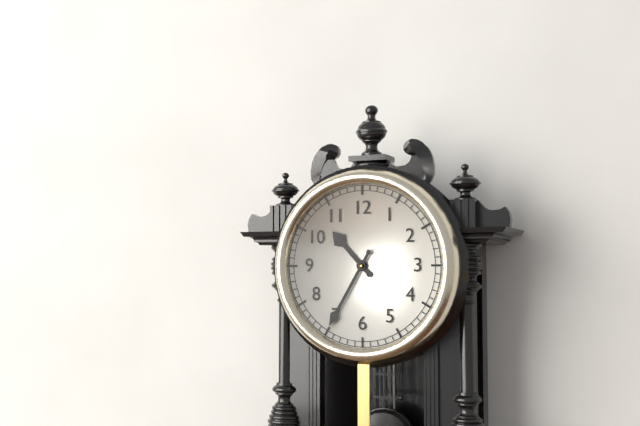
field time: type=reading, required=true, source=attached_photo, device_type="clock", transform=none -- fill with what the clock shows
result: 10:35
